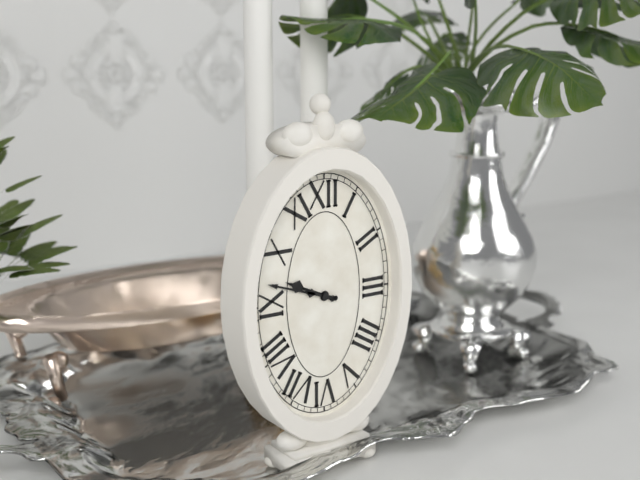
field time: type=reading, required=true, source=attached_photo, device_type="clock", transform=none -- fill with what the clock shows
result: 9:48
